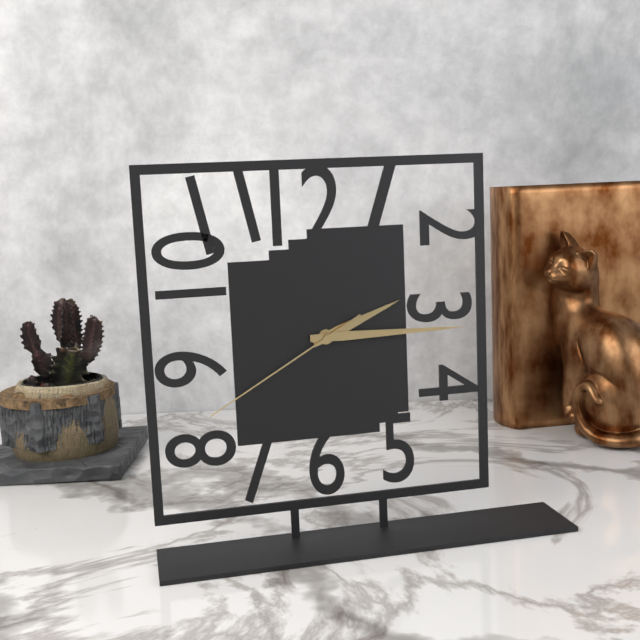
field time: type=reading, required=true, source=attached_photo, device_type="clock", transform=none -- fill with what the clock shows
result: 2:15:40
